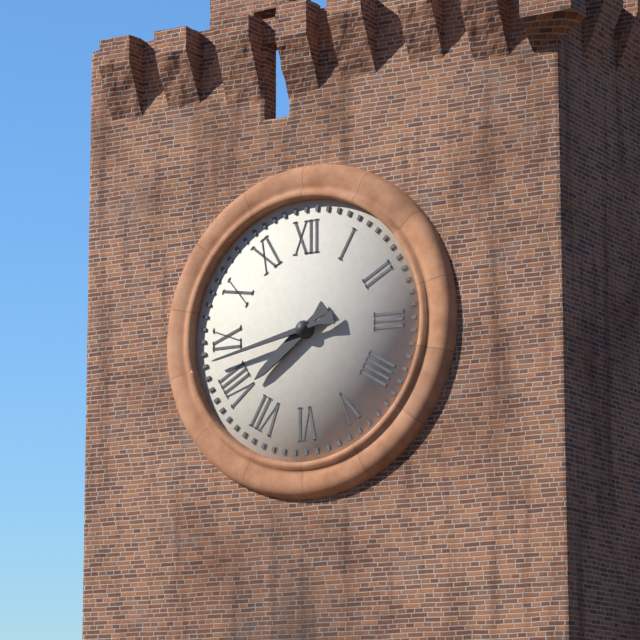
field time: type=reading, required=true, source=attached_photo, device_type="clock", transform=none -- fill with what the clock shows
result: 7:43
